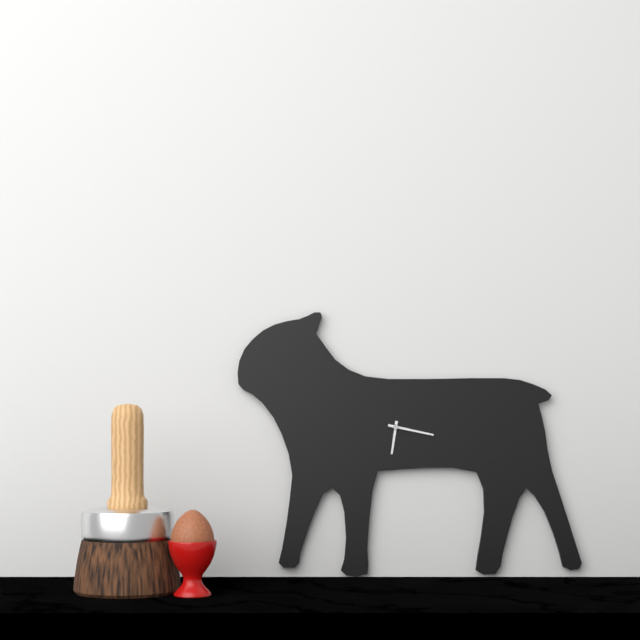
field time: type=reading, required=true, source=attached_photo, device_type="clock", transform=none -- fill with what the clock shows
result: 6:17
